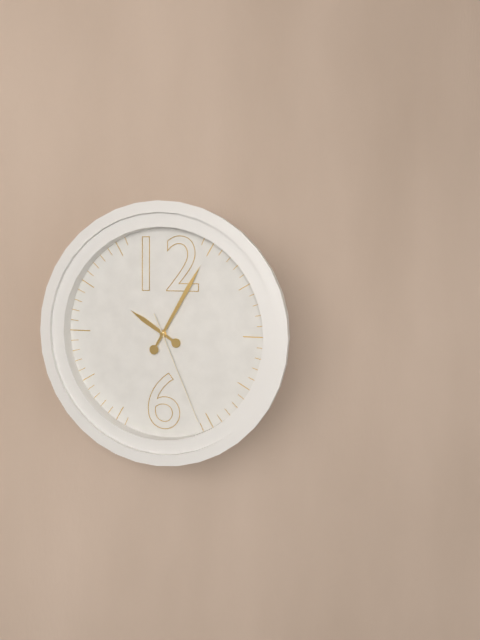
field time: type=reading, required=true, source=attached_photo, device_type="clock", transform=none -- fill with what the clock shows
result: 10:05:26
